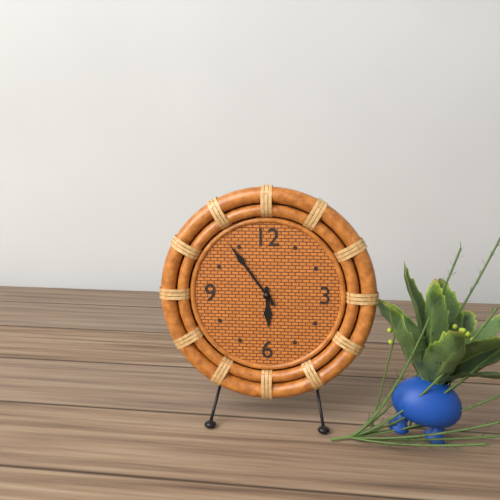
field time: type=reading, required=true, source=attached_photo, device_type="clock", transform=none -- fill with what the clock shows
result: 5:54
